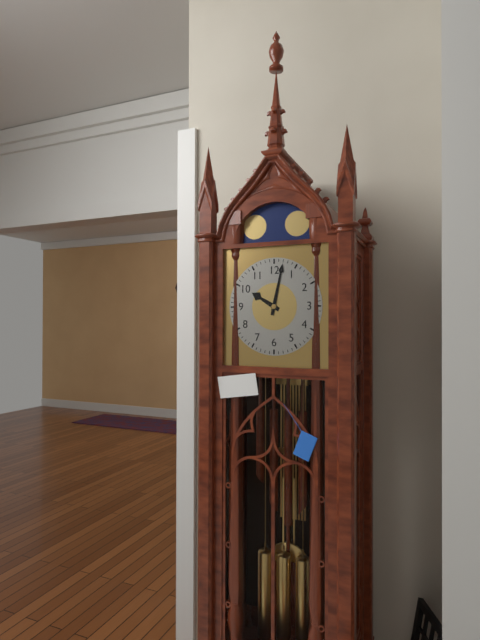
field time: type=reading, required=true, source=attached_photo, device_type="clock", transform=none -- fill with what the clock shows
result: 10:02
